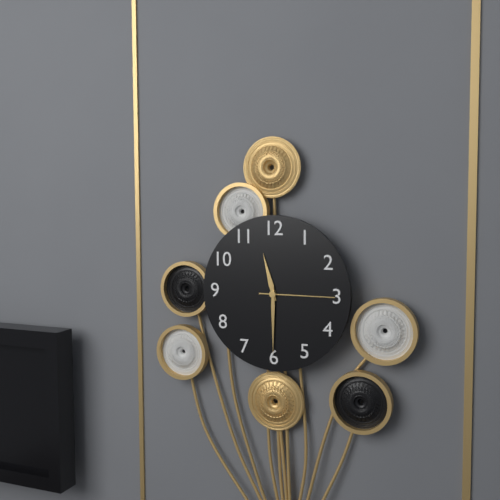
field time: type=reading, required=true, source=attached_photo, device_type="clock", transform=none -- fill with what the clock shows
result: 11:30:15
